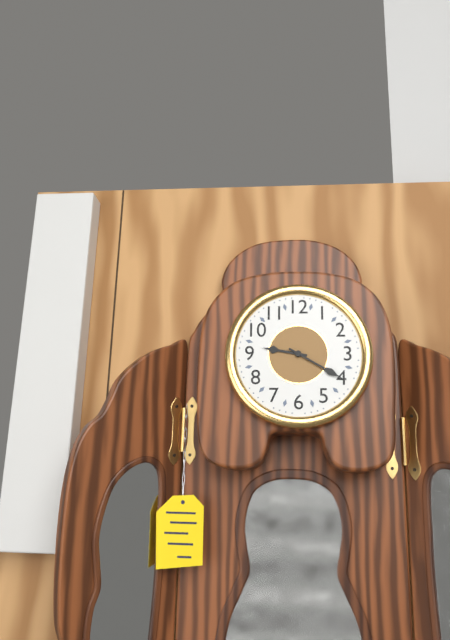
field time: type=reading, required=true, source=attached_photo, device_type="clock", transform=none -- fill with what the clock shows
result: 9:20
